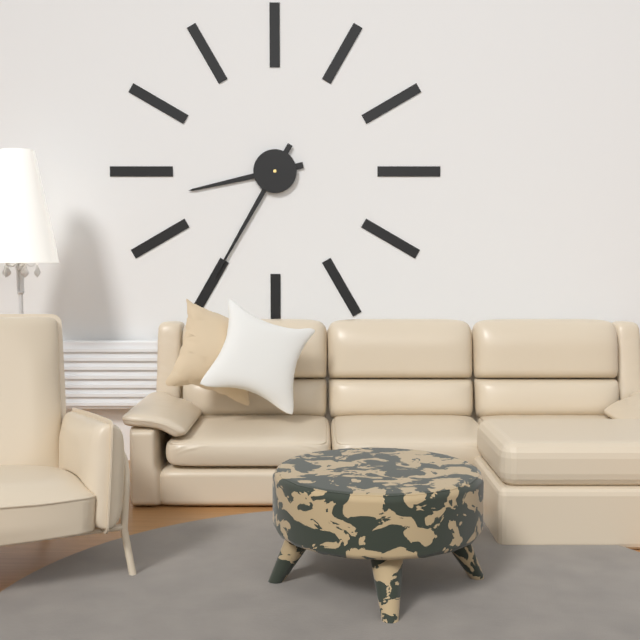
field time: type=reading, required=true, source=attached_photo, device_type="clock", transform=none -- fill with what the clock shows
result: 8:35
